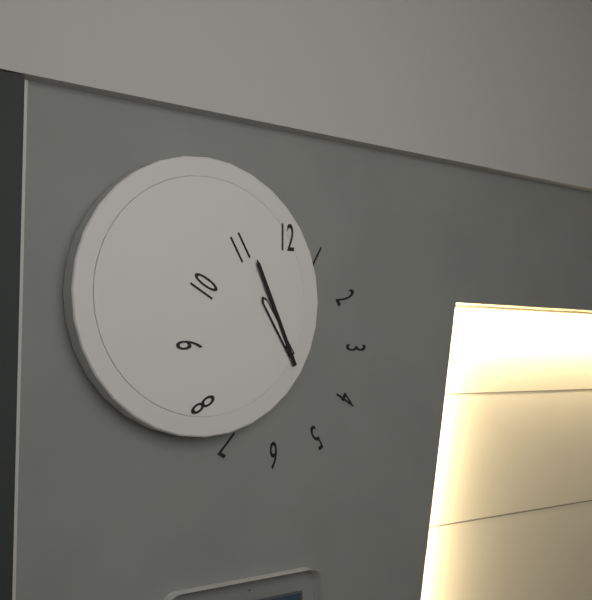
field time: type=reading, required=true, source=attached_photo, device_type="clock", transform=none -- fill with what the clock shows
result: 10:56
